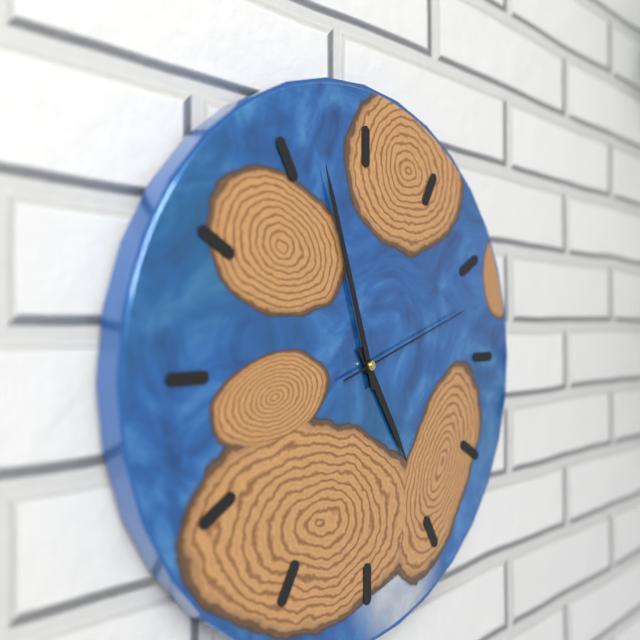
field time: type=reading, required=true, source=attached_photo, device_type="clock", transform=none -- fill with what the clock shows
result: 4:57:12
